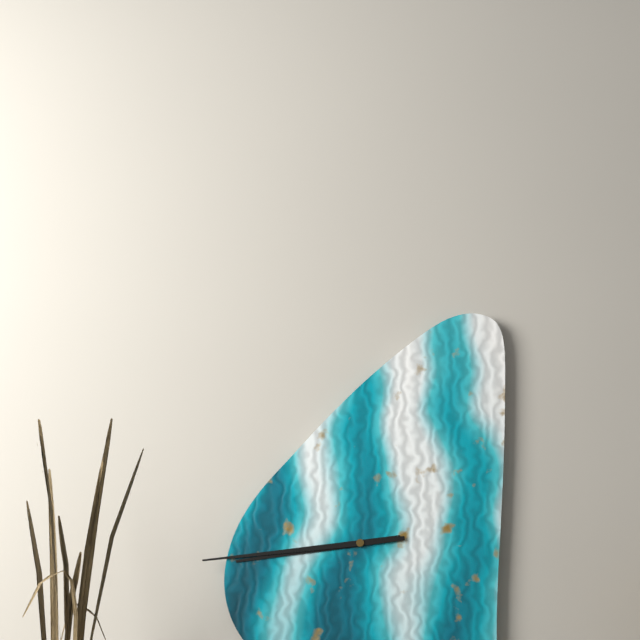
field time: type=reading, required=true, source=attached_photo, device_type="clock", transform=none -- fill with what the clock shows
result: 8:44
